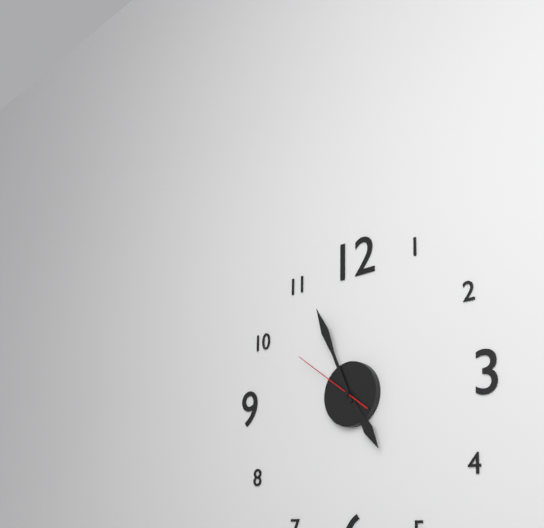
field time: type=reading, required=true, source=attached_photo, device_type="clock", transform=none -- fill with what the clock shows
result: 4:56:51
